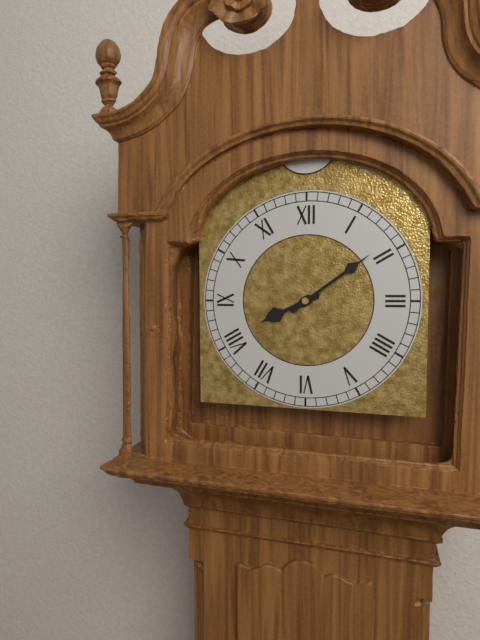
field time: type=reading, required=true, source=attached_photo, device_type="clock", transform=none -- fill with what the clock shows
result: 8:09
